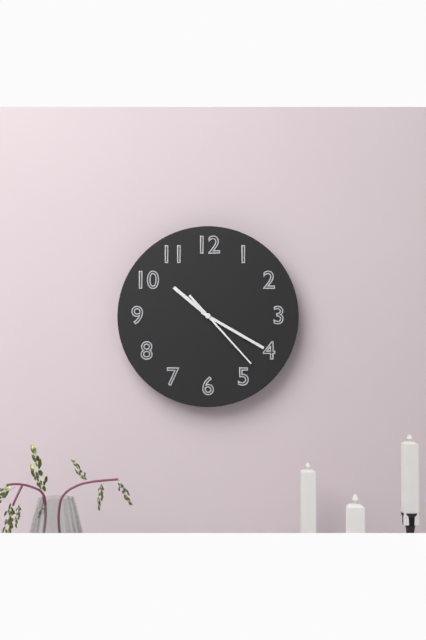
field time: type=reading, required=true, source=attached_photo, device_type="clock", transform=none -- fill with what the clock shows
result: 10:20:23
